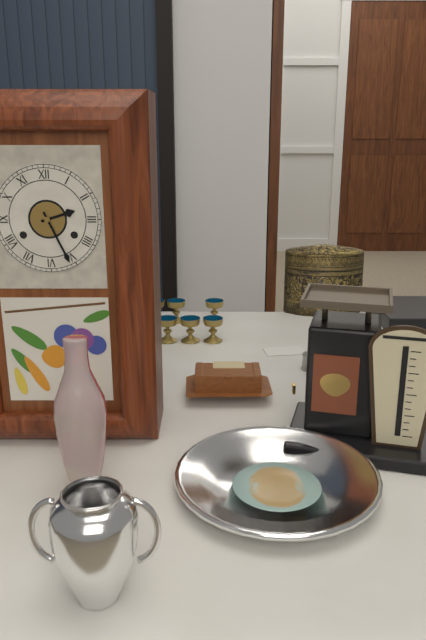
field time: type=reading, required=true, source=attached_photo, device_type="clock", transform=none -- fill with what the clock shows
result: 2:26
